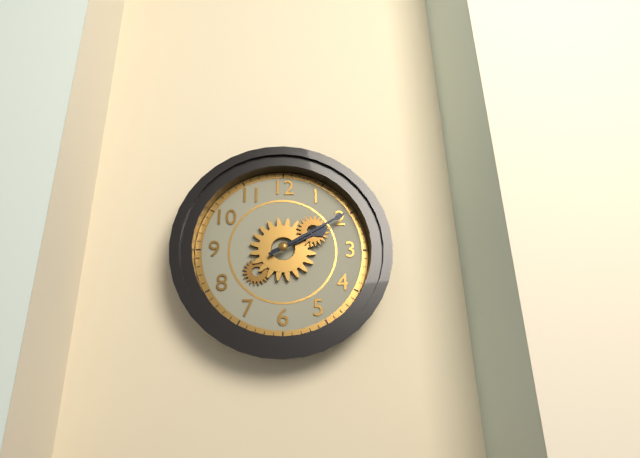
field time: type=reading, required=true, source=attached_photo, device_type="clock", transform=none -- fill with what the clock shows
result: 2:10
